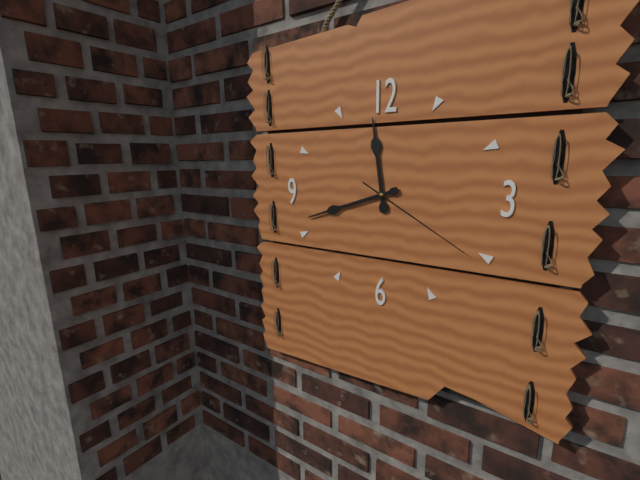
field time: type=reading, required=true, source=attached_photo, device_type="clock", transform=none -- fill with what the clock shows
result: 11:42:20
